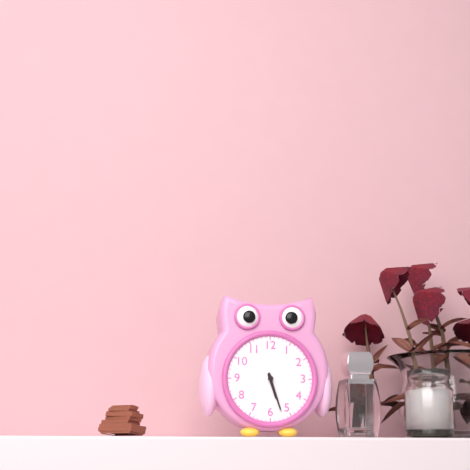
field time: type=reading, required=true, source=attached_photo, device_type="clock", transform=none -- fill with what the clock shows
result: 5:27
